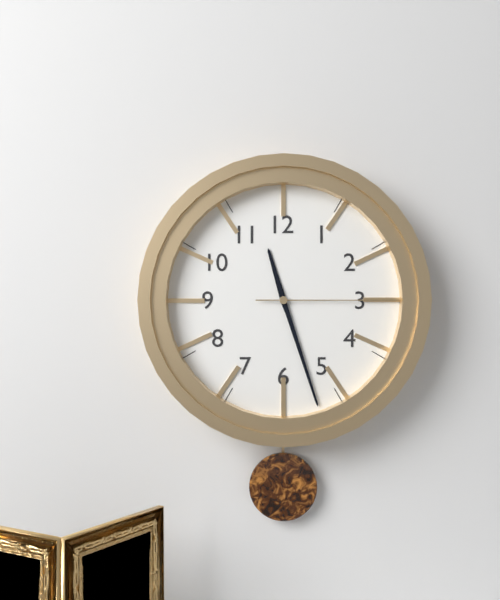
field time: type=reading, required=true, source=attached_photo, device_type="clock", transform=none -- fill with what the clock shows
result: 11:27:15
